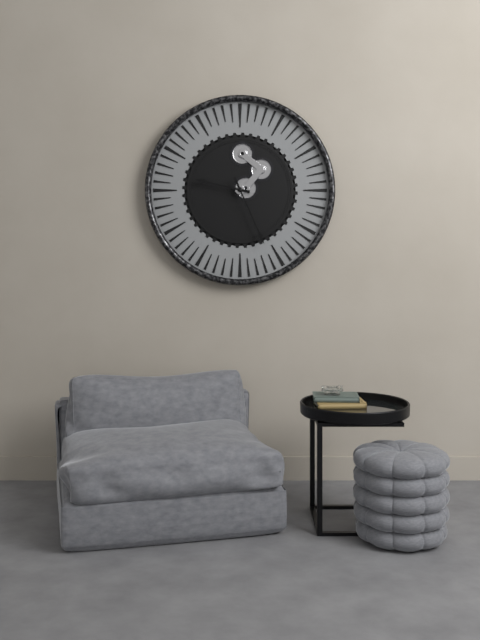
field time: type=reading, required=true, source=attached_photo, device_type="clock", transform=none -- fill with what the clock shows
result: 9:26
